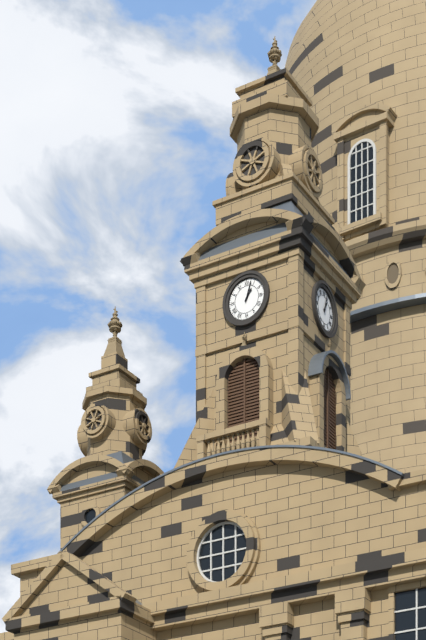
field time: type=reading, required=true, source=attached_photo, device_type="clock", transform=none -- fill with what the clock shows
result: 1:03
